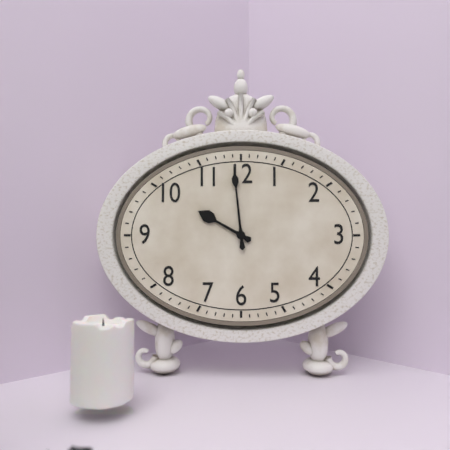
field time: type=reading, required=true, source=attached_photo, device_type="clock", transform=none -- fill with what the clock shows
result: 9:59
